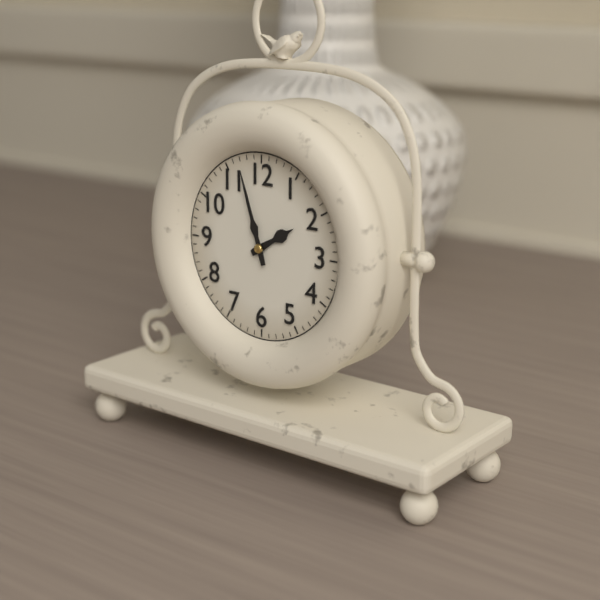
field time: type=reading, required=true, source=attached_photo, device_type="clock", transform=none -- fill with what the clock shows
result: 1:57
